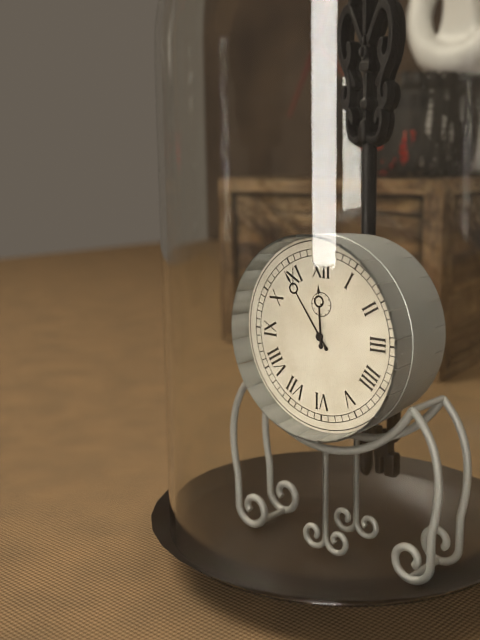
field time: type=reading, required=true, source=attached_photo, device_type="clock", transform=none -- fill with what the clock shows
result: 11:54
